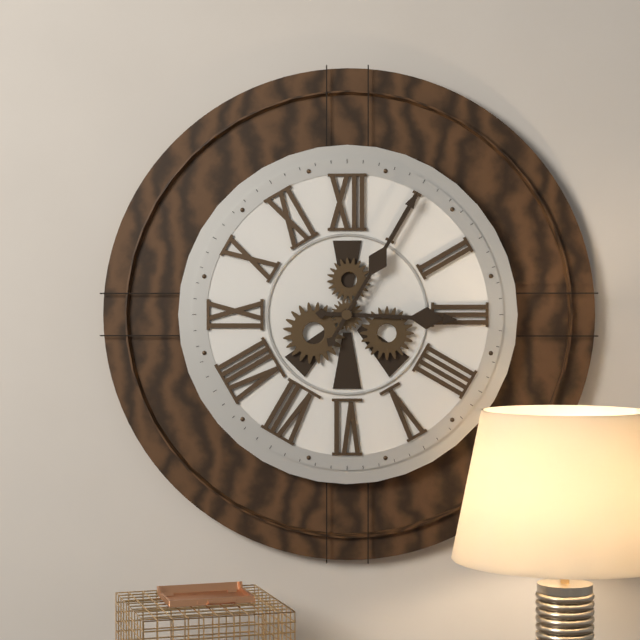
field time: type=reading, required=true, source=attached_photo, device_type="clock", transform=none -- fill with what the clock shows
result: 3:05
